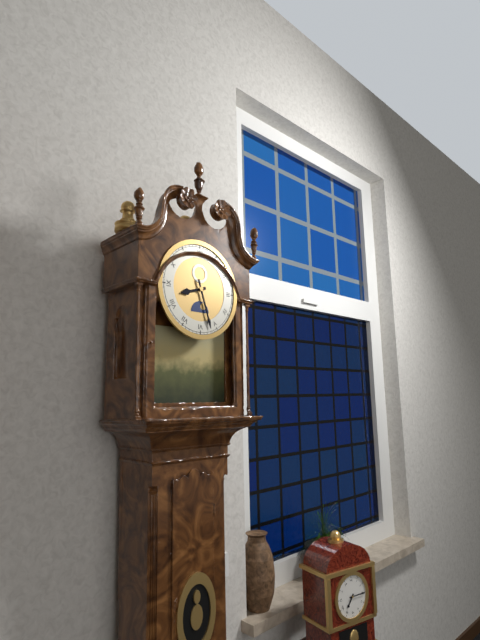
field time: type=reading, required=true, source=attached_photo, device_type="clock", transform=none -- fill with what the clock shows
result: 8:27
